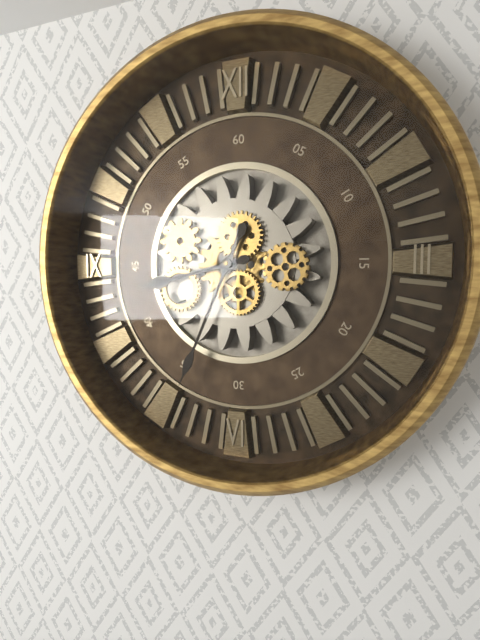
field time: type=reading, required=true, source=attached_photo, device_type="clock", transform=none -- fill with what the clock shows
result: 8:34
